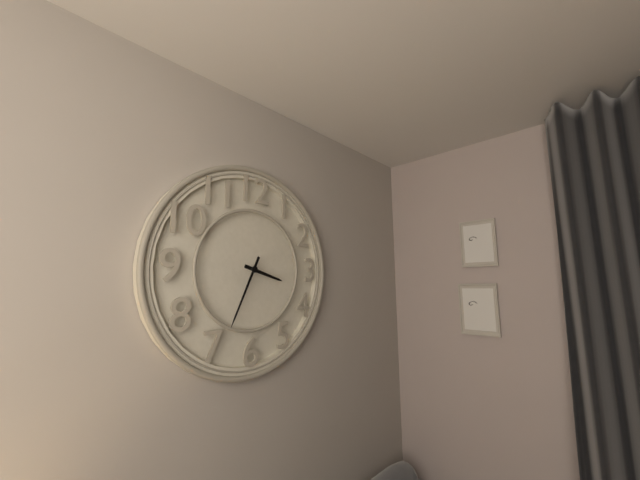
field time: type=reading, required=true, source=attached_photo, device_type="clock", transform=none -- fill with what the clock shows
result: 3:34
